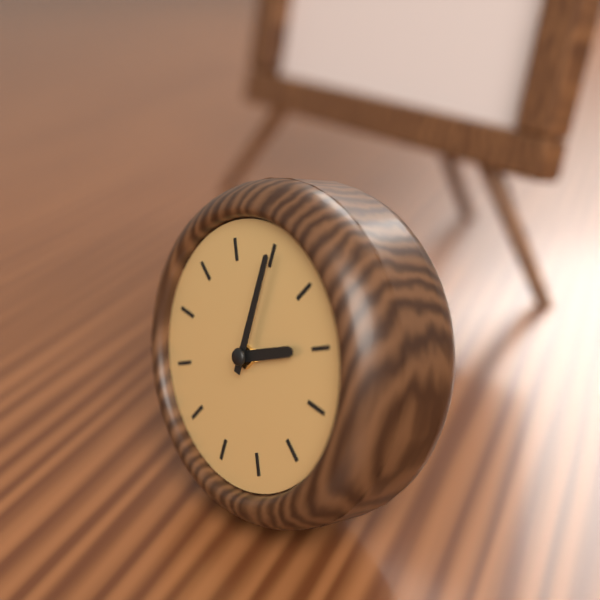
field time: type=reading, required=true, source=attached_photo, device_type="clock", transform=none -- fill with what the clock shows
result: 2:00
